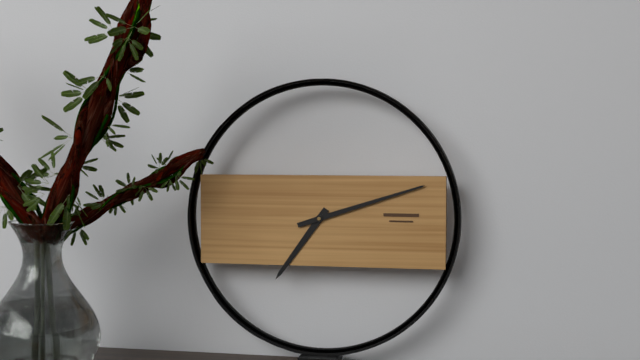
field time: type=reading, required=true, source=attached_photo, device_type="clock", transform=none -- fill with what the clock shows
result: 7:12
